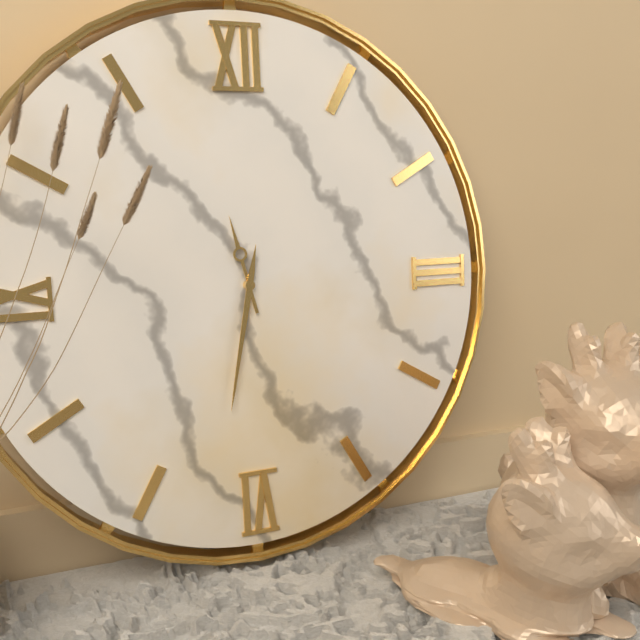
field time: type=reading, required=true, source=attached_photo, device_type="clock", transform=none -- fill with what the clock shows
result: 11:32
